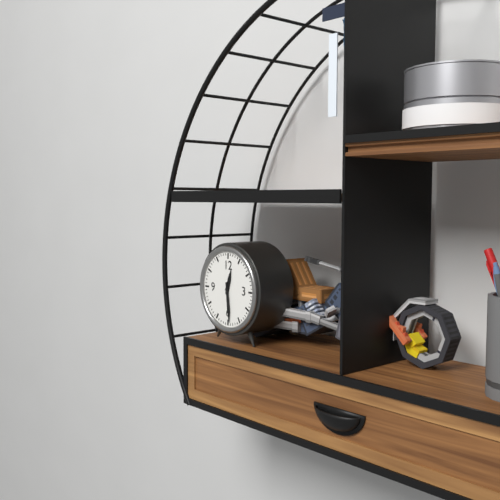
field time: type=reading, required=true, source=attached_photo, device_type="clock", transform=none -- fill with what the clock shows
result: 12:29
